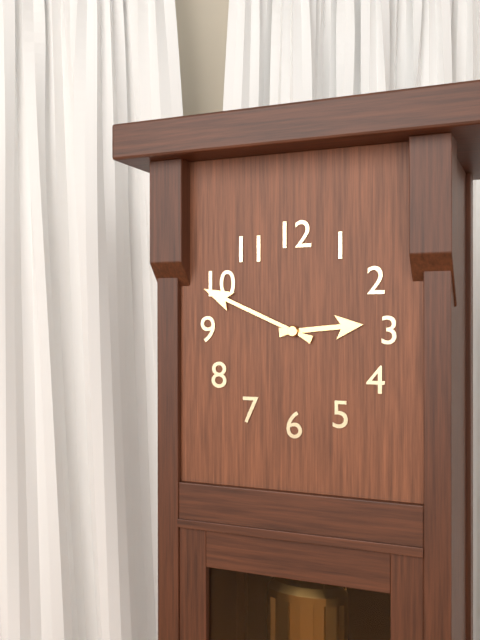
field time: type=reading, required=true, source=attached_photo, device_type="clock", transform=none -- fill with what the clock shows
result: 2:49
